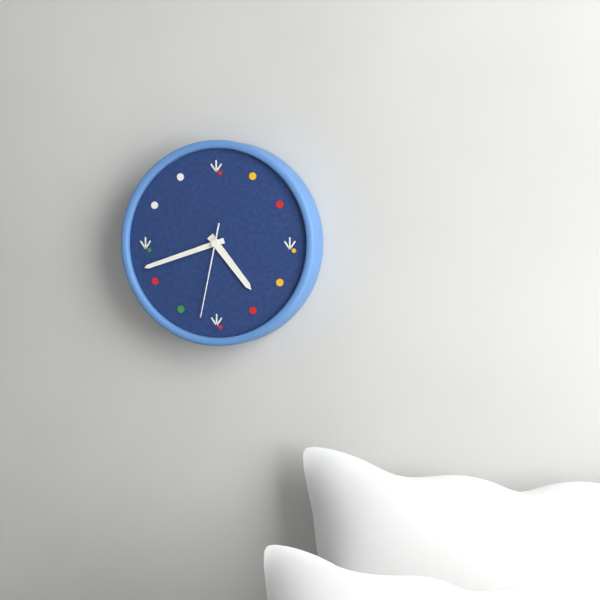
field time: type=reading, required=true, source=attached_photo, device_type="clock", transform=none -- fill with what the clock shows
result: 4:42:32
